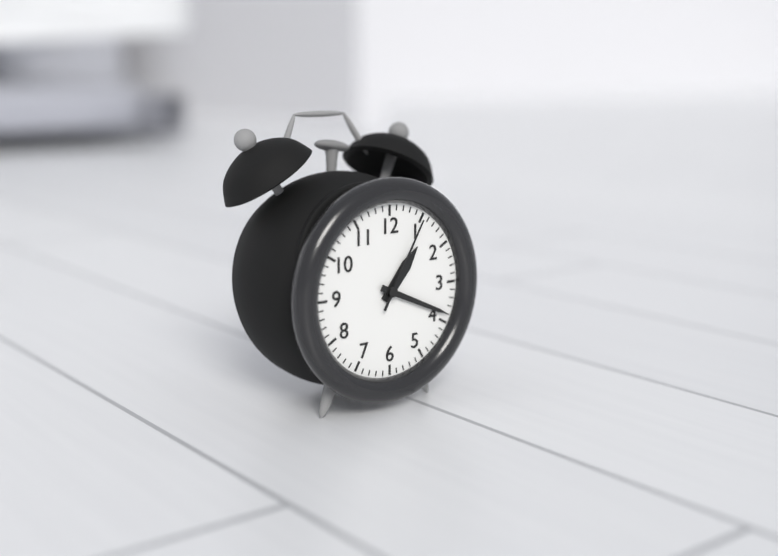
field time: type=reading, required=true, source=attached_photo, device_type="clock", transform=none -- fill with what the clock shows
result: 1:19:05
